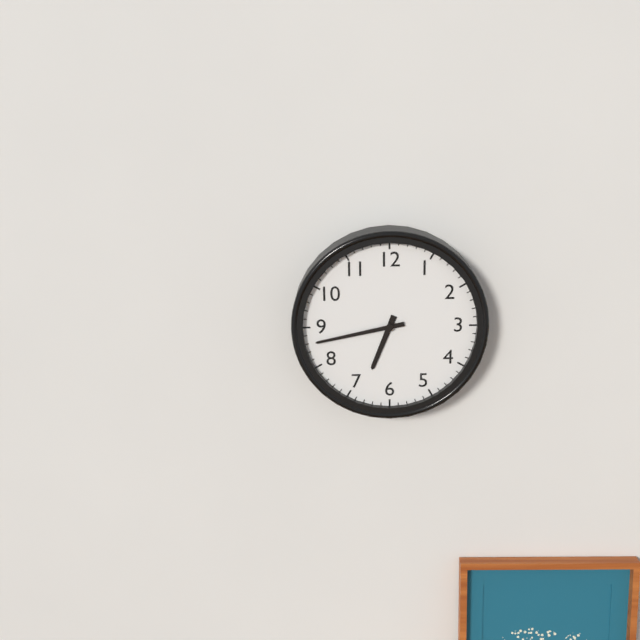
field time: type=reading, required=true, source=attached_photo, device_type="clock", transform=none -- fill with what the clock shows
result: 6:43
